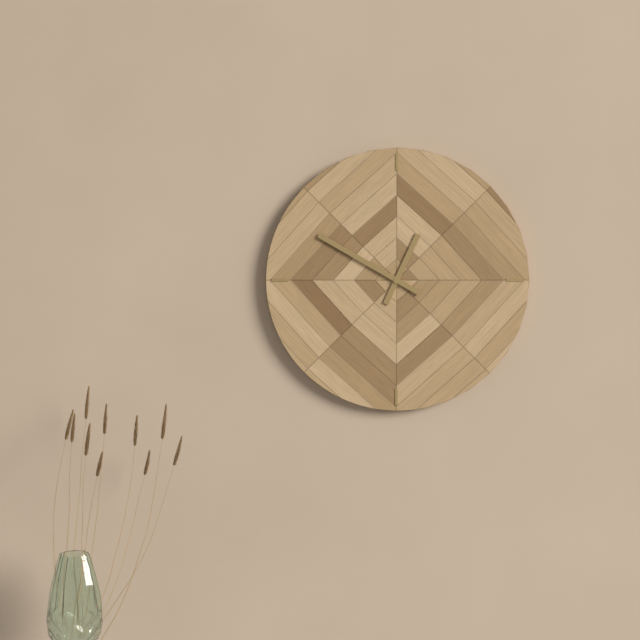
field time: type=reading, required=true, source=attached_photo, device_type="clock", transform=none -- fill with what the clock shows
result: 12:50
